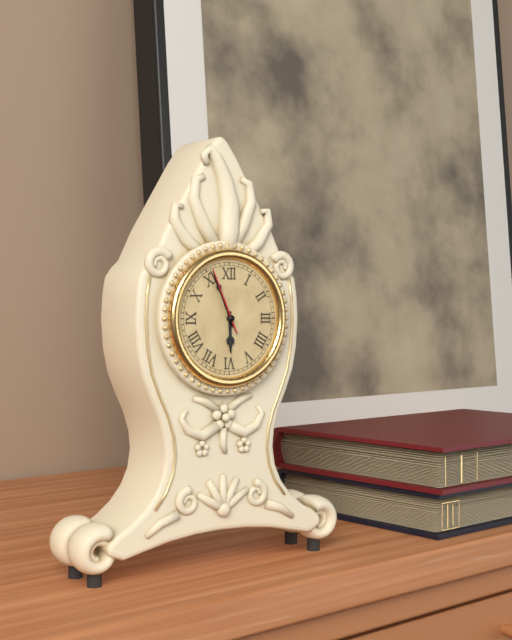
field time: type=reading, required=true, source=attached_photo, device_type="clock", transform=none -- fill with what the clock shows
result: 5:56:56
